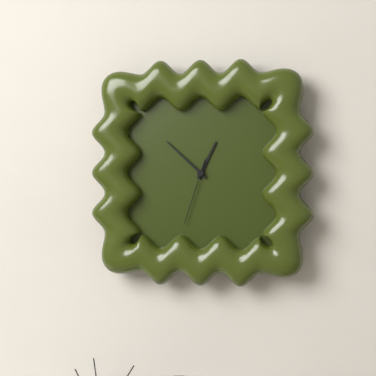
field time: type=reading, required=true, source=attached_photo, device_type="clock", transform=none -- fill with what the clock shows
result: 12:52:33
